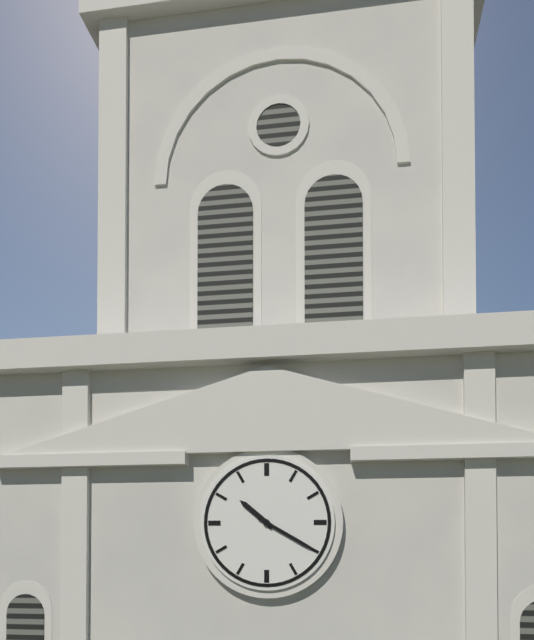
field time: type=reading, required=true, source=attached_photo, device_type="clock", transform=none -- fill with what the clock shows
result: 10:20
